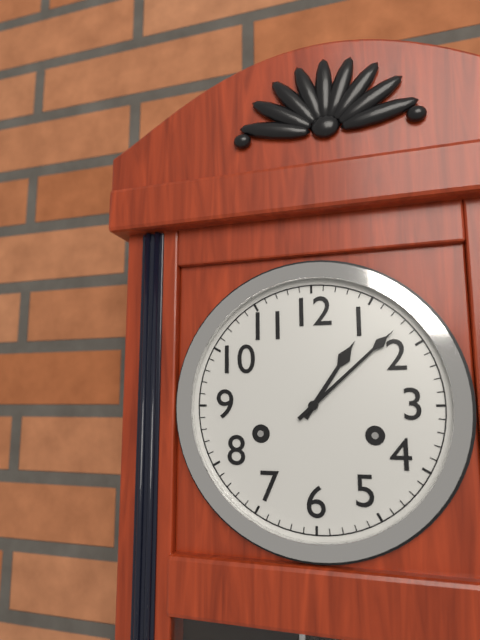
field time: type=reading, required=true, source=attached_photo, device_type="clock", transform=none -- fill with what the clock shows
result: 1:08
